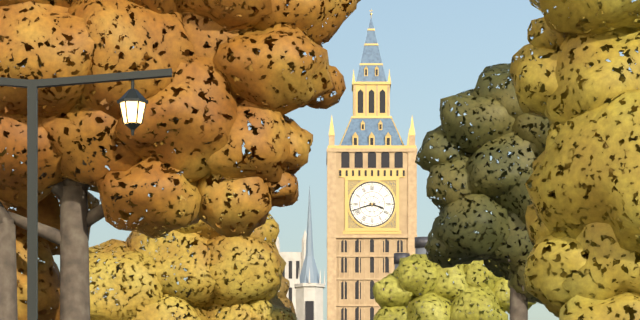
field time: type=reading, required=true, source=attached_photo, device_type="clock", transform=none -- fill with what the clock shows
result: 3:42
